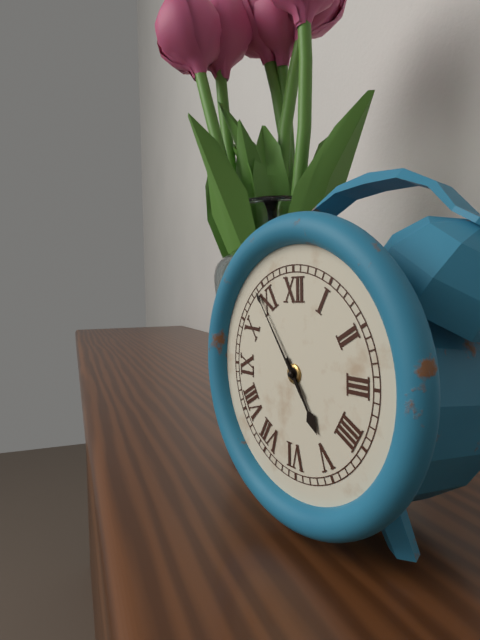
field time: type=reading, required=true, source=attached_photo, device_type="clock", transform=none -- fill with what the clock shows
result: 4:54
